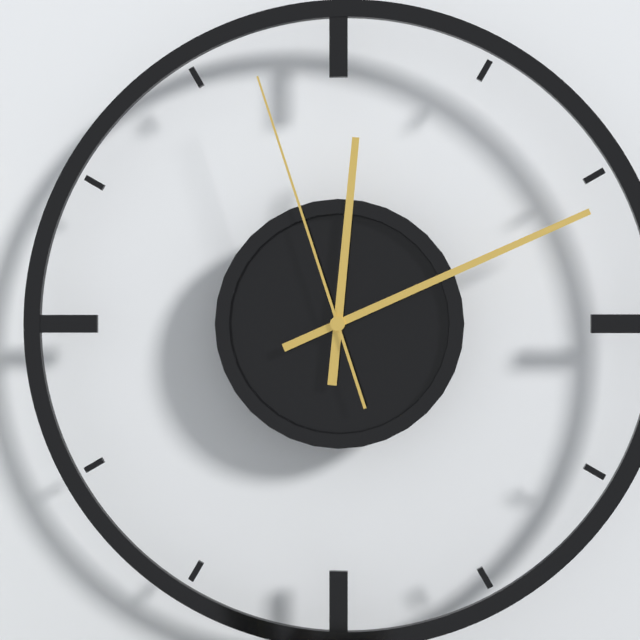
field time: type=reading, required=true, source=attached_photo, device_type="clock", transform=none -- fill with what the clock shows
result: 12:11:57
